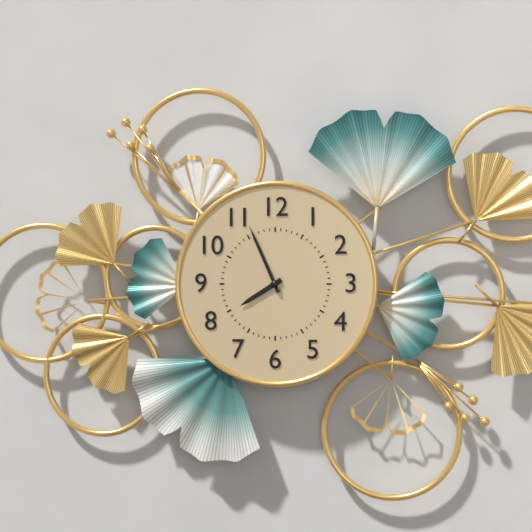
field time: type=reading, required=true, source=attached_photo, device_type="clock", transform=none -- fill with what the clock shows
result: 7:56
